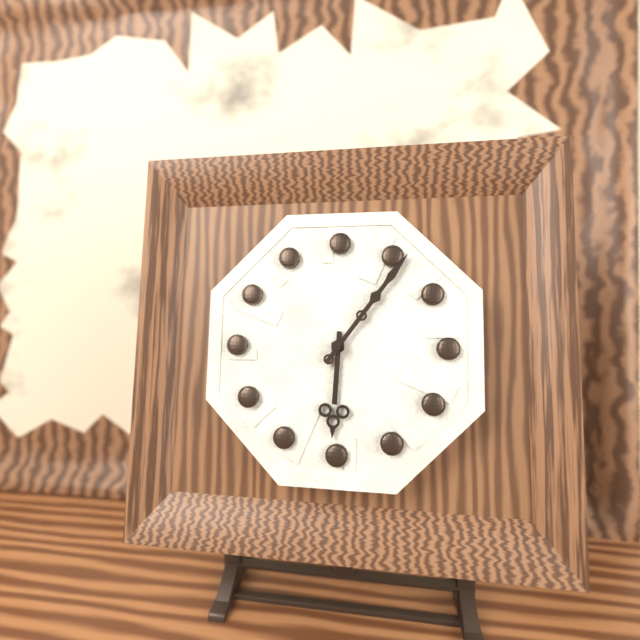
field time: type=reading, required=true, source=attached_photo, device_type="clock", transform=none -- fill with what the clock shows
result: 6:06
